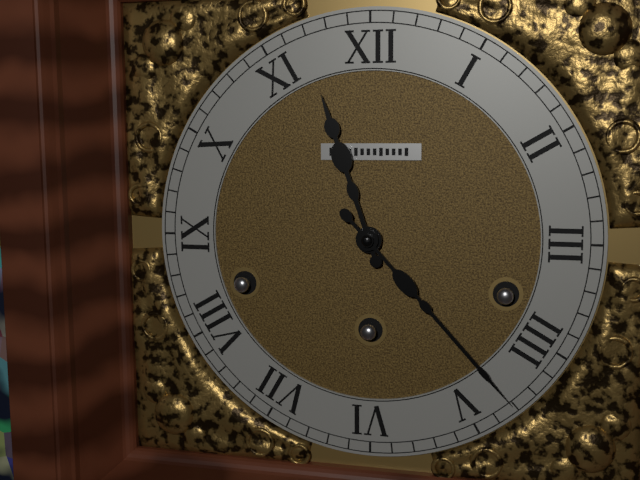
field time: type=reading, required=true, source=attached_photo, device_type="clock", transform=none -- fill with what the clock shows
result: 11:23
